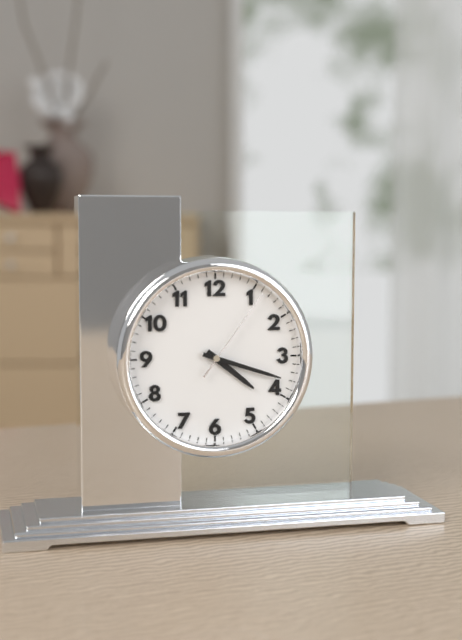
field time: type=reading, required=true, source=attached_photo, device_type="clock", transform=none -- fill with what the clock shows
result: 4:18:06
